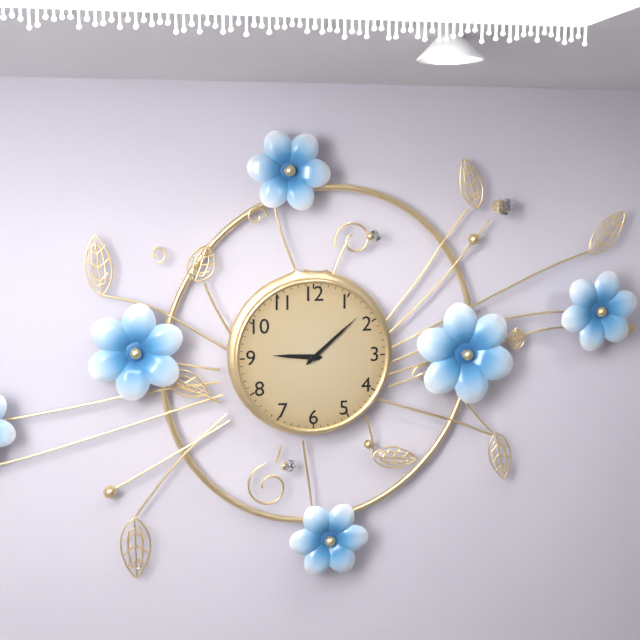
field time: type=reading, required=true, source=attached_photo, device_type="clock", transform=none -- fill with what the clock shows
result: 9:08
